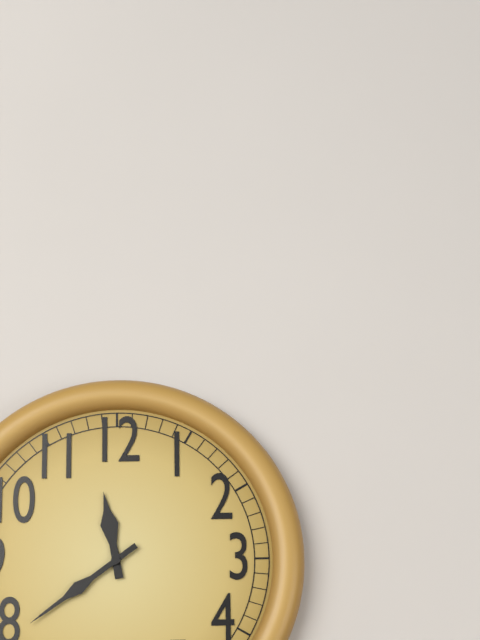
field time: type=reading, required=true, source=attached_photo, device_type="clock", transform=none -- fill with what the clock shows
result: 11:39
